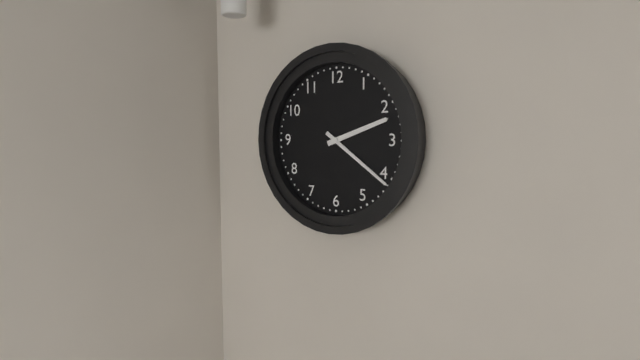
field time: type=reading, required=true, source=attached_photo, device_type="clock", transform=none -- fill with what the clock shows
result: 2:21
